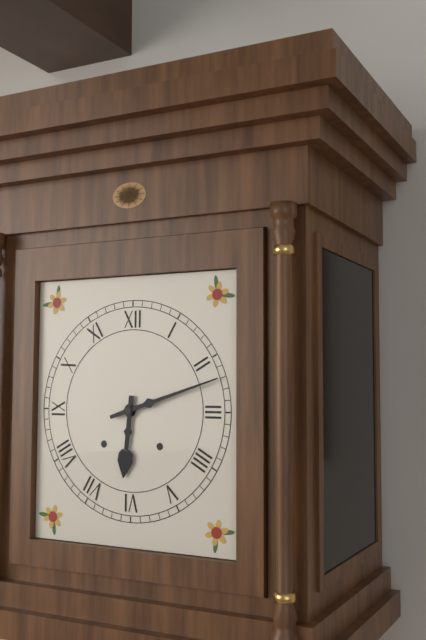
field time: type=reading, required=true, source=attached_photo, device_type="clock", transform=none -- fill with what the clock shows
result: 6:12
